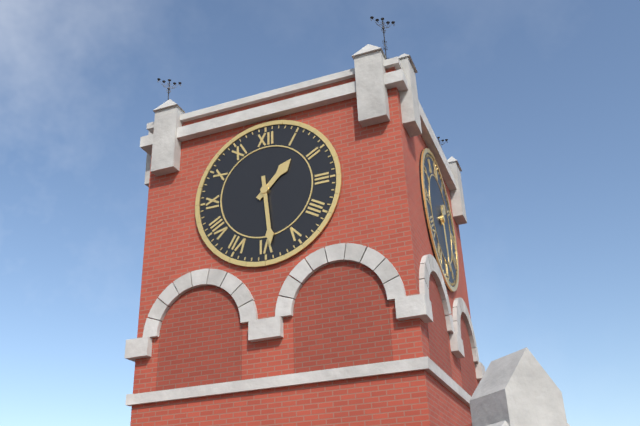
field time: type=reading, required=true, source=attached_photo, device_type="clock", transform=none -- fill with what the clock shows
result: 1:29
